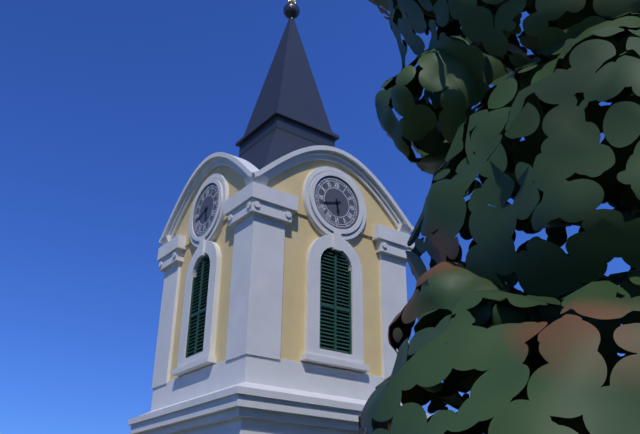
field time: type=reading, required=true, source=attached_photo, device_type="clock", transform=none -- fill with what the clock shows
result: 5:42
